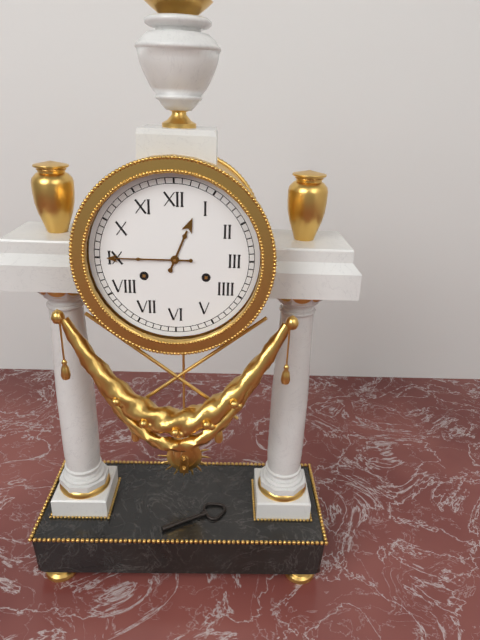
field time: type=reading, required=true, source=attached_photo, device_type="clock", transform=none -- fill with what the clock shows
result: 12:45
